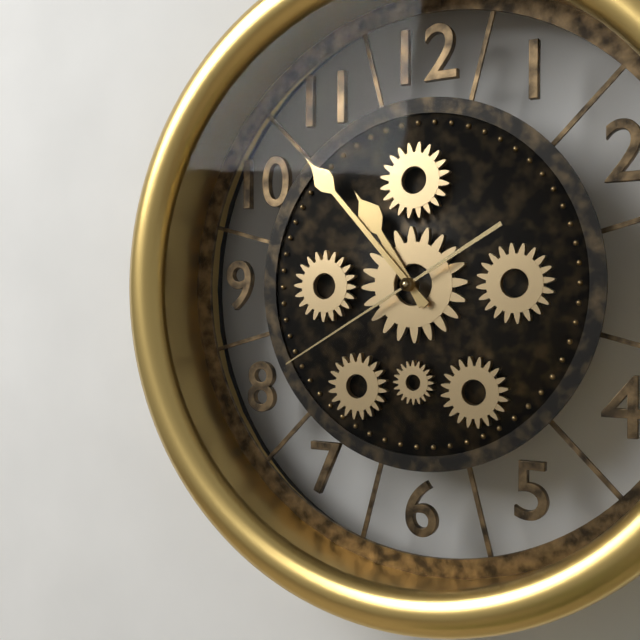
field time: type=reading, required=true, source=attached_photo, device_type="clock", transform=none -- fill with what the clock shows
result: 10:53:40
